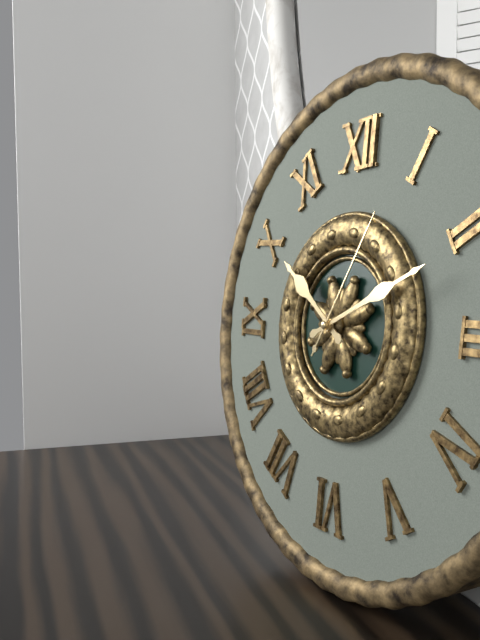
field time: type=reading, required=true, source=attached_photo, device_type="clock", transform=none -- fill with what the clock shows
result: 10:11:05
